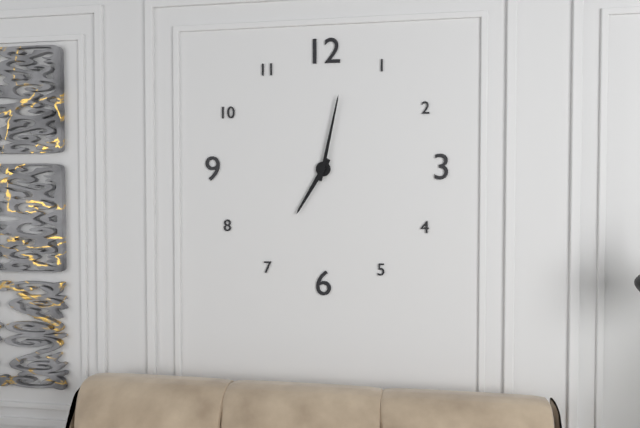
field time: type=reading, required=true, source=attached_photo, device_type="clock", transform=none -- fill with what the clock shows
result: 7:02
